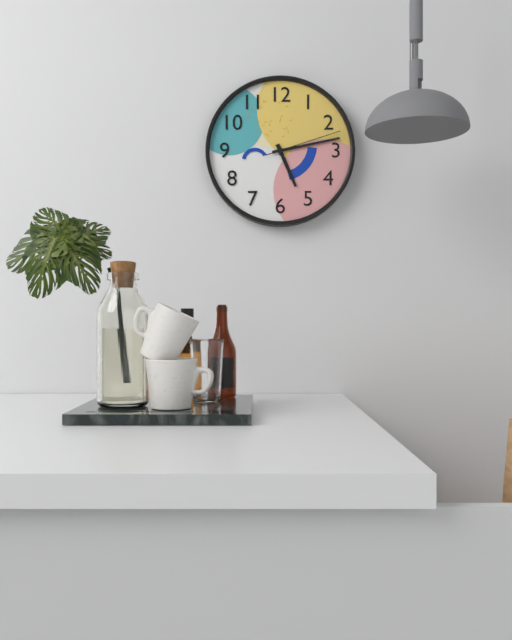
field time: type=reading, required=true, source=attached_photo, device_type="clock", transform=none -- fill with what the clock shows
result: 5:13:12
